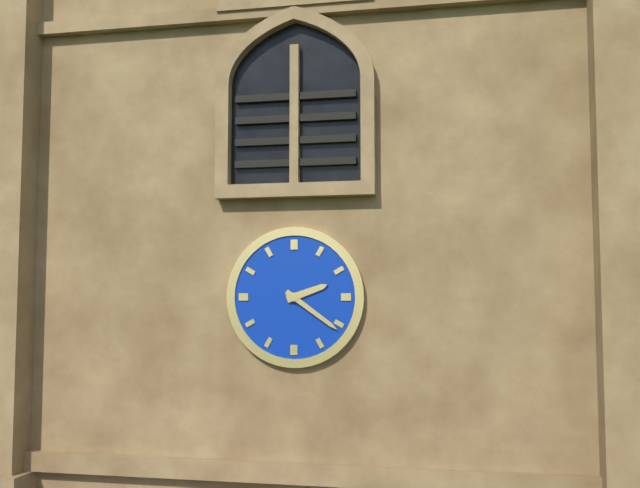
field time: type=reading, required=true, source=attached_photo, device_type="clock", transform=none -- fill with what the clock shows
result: 2:21
